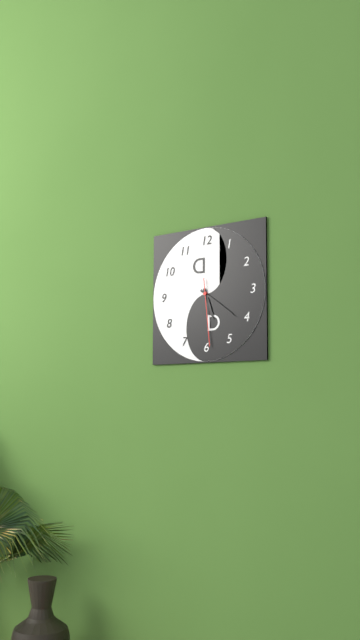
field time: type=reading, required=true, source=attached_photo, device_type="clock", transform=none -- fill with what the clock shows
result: 5:21:29
